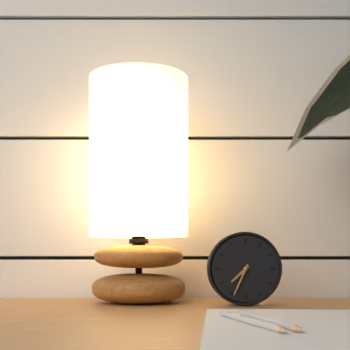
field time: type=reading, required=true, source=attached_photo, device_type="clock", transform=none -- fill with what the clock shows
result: 7:34
